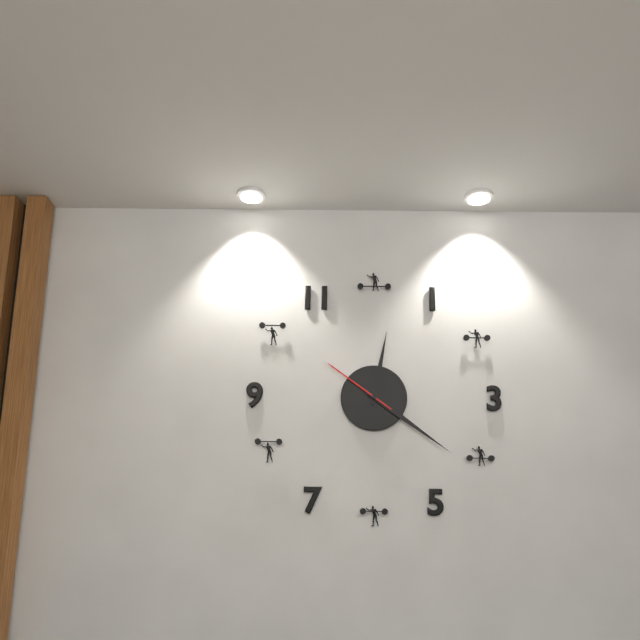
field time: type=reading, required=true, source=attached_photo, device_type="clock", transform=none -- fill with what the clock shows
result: 12:21:51
